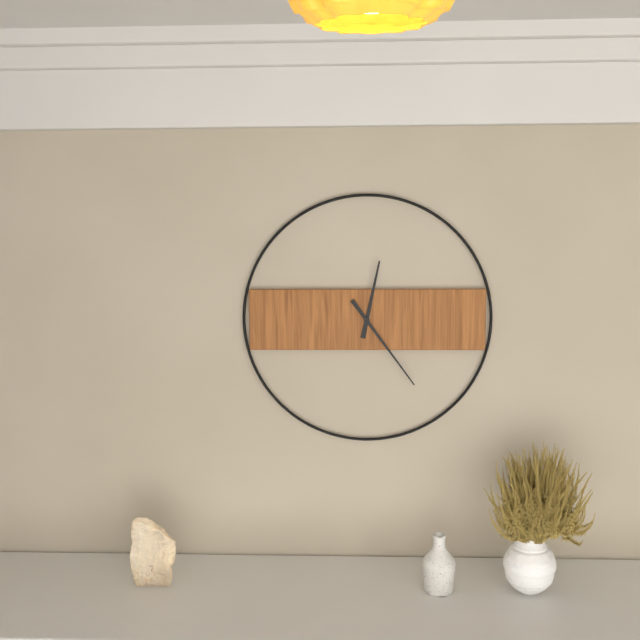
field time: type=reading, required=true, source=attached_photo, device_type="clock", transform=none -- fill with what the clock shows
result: 12:24
